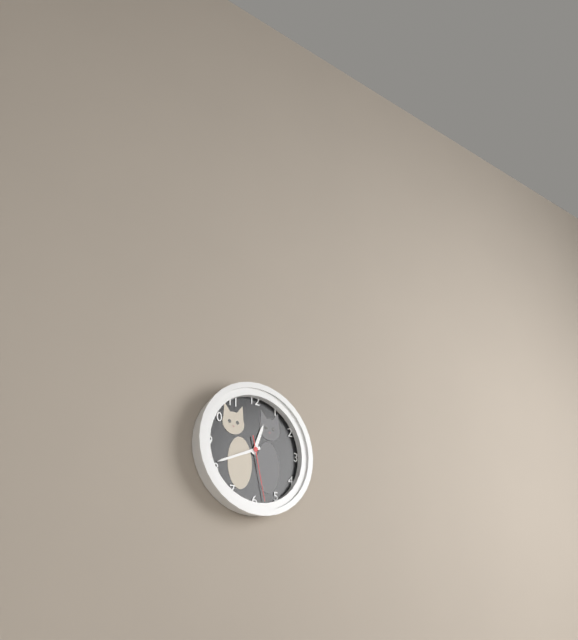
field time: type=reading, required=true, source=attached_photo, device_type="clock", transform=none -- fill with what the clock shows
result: 12:41:28
